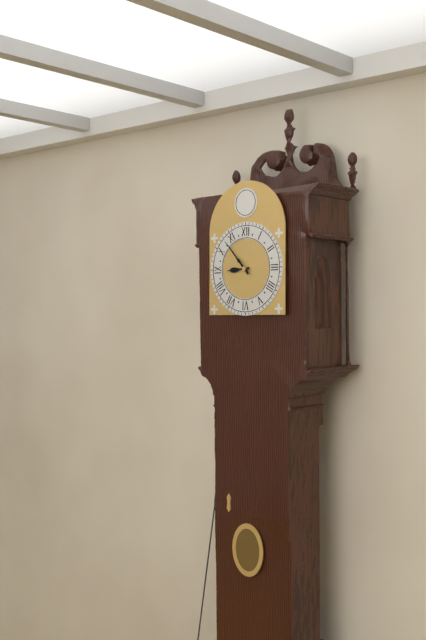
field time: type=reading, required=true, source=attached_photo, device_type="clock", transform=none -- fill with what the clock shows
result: 8:53
